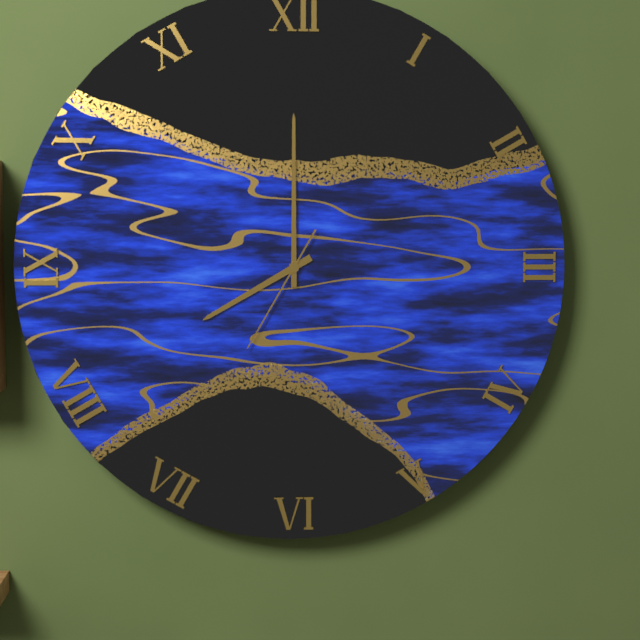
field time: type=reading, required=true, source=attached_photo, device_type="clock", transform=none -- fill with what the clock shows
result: 8:00:35
